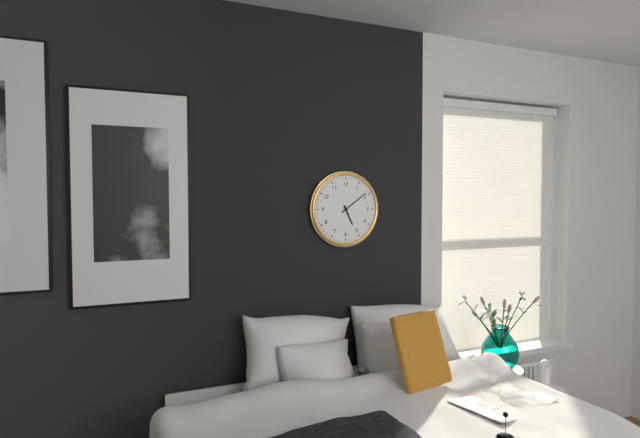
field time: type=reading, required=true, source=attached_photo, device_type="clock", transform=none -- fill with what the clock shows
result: 5:09
